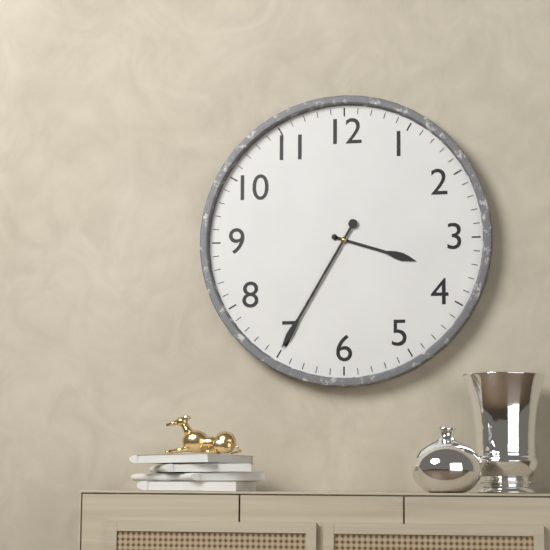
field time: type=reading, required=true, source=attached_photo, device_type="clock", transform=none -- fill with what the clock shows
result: 3:35
